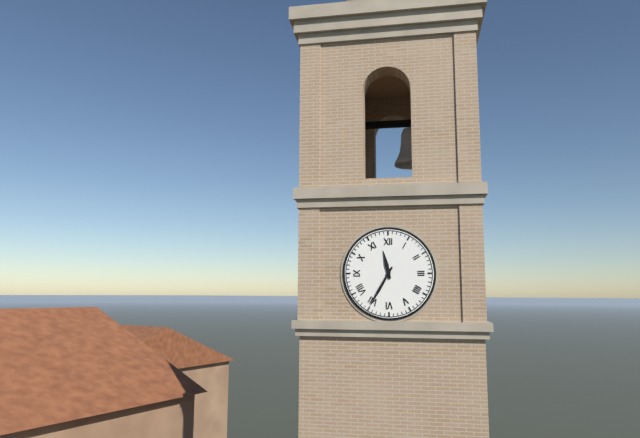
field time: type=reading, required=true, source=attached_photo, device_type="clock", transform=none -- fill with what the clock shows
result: 11:35
